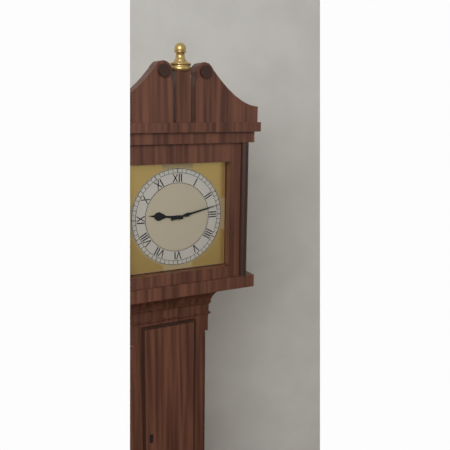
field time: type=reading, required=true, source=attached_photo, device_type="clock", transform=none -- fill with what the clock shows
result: 9:13
